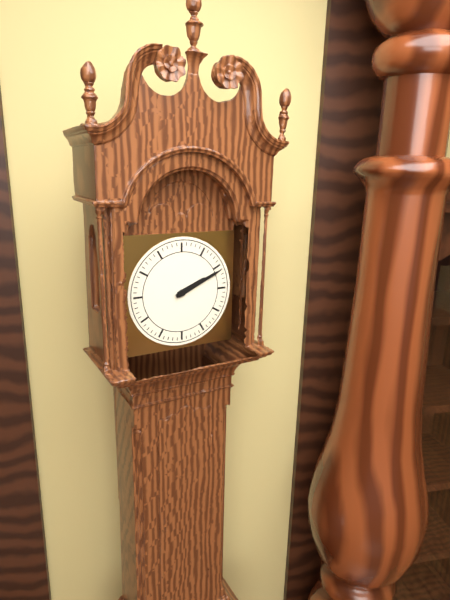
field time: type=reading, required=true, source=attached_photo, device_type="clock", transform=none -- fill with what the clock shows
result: 2:11
